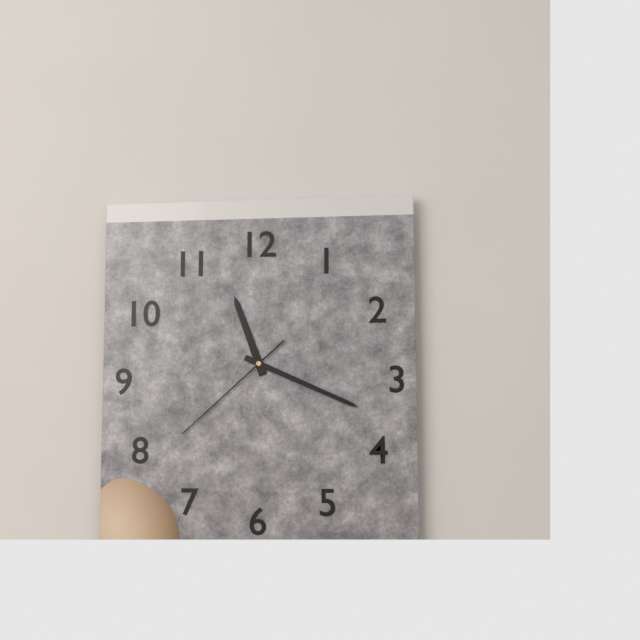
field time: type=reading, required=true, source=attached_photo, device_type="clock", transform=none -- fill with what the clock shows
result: 11:19:38
